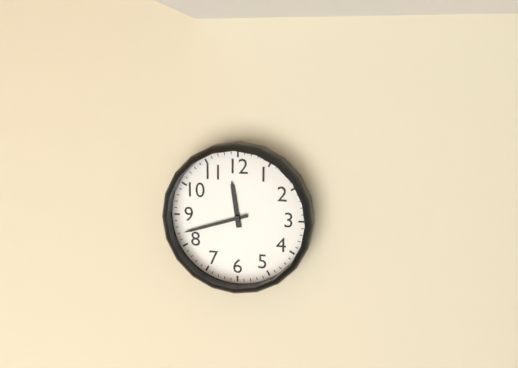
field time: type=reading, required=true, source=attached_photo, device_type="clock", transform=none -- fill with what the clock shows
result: 11:42
